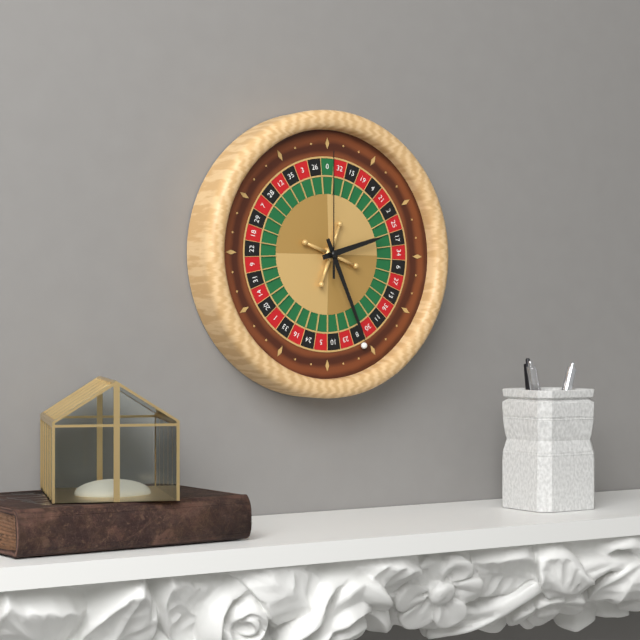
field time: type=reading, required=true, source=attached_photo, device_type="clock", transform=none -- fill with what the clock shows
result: 2:26:00
